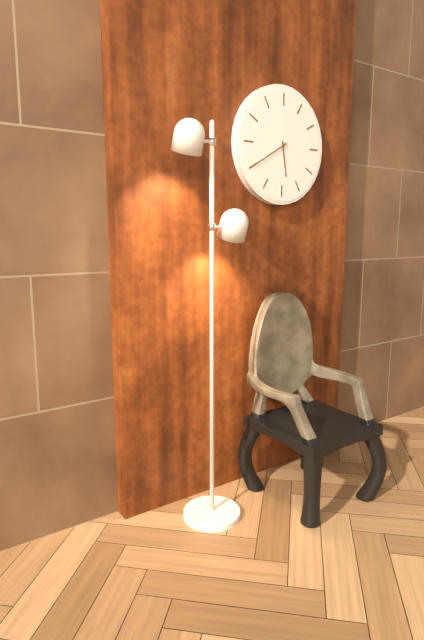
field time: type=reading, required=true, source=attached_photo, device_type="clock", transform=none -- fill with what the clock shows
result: 5:40
